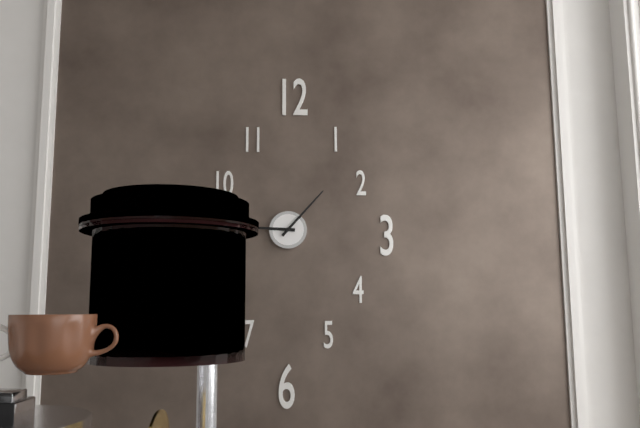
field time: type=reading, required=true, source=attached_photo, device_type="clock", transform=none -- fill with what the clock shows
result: 9:07
